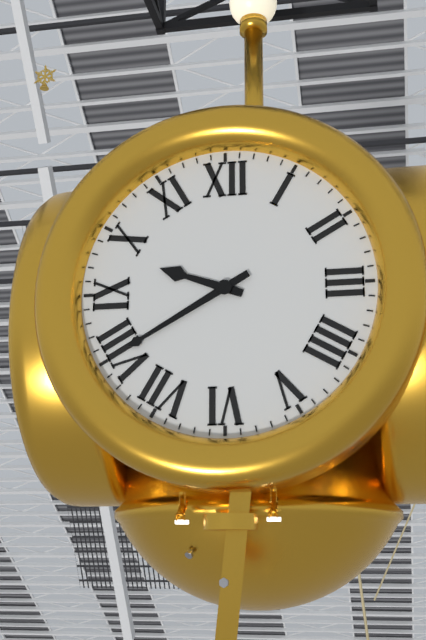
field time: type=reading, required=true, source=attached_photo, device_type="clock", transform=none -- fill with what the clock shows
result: 9:40
